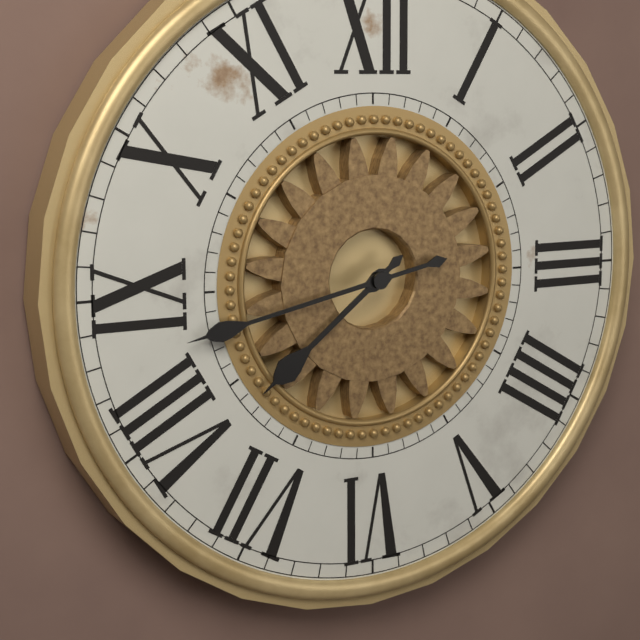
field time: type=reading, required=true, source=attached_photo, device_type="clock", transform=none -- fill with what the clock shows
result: 7:43
